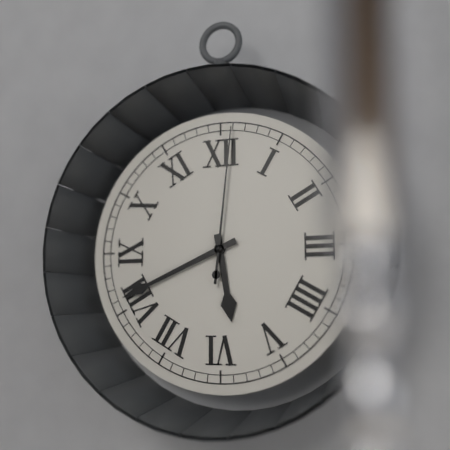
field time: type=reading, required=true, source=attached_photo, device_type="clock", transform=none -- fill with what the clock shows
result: 5:41:01
